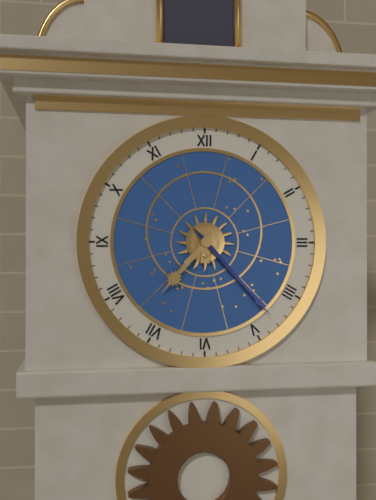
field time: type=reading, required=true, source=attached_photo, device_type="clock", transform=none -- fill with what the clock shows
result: 7:23
